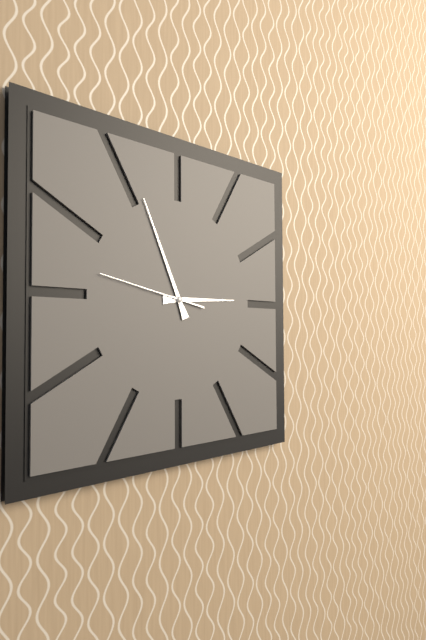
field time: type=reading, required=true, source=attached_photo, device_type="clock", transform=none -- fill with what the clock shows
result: 2:56:47
